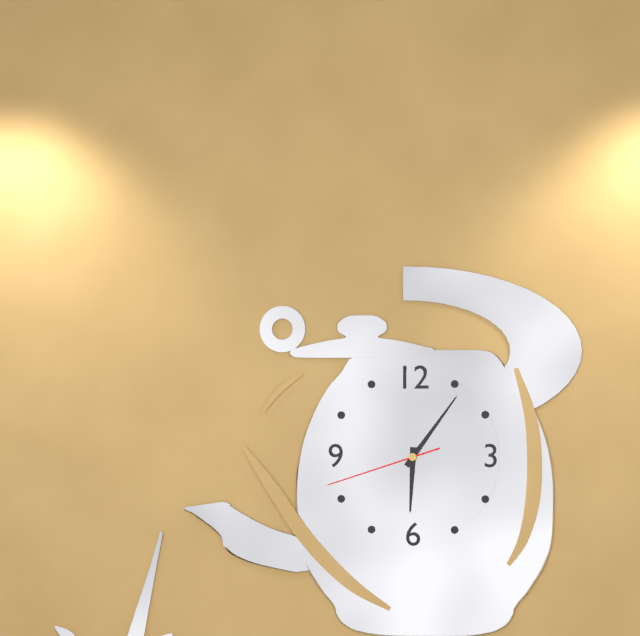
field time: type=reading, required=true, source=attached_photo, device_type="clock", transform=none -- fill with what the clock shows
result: 6:06:42
